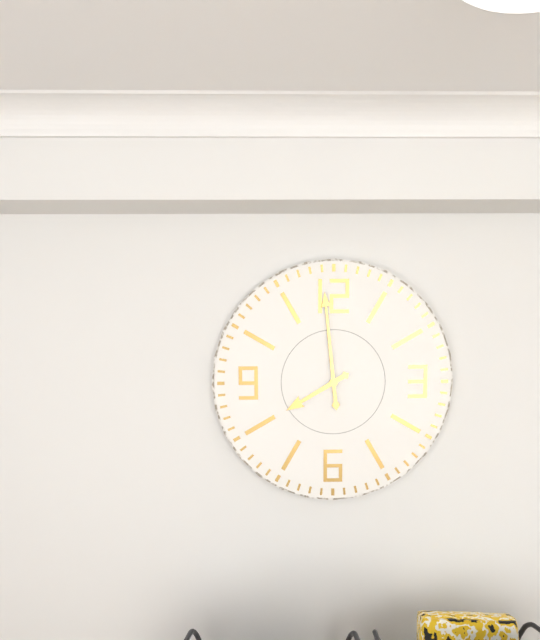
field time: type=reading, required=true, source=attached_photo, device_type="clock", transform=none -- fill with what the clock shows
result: 7:59
